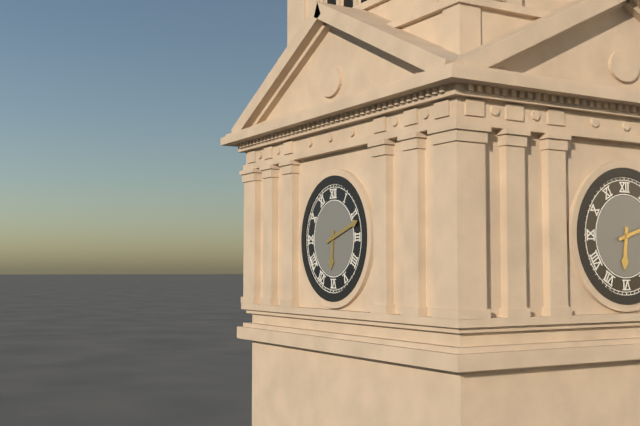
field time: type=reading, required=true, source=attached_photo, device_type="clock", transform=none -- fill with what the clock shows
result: 6:12
